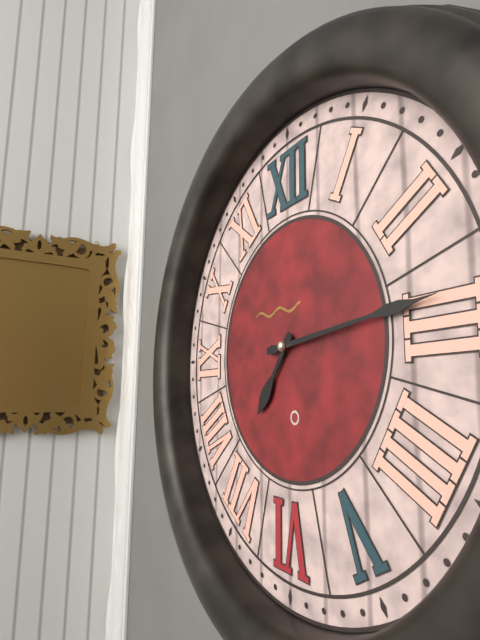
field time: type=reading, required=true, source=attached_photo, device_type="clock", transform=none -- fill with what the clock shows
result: 7:14
